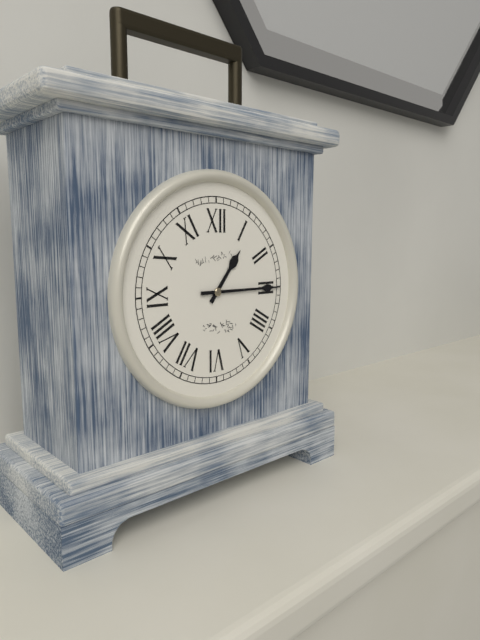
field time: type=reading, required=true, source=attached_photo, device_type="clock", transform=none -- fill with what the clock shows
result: 1:15
